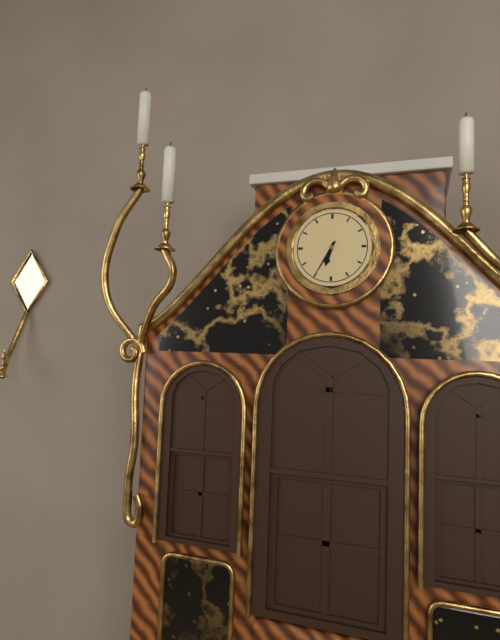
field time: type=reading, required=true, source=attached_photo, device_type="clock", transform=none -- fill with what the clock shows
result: 6:35
